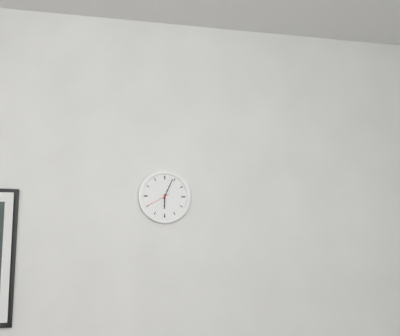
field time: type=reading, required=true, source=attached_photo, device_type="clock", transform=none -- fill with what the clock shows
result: 6:04
